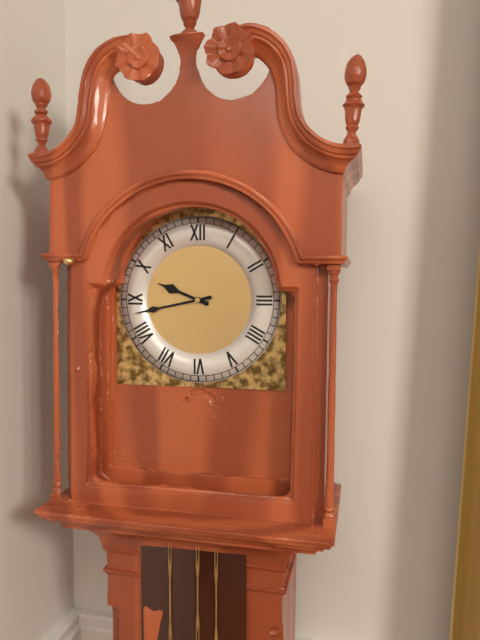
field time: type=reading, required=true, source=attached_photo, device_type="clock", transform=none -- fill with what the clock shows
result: 9:43
